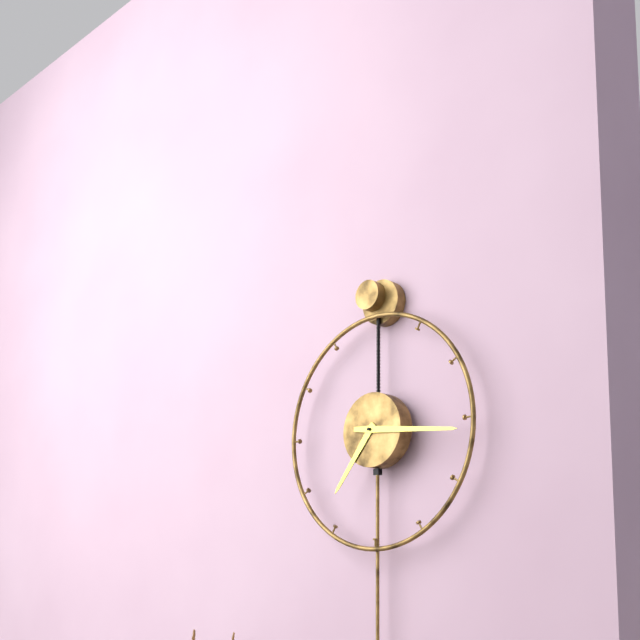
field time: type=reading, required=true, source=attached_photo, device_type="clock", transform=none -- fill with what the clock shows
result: 7:16
